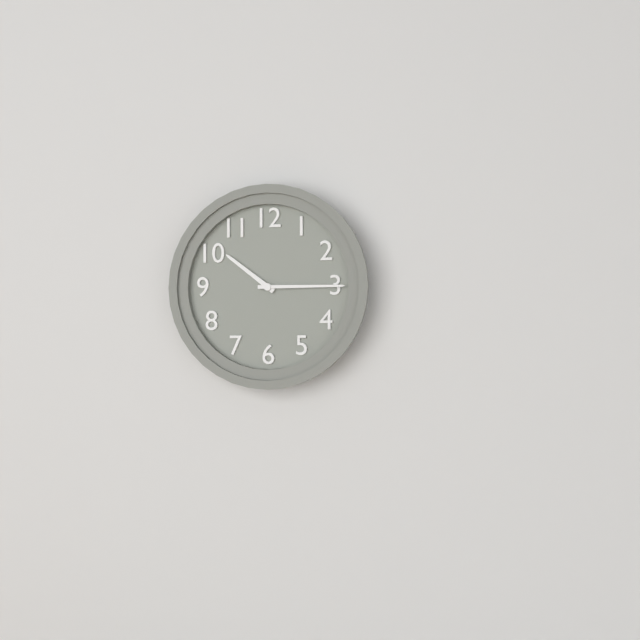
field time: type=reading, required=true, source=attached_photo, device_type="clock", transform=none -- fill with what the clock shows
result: 10:15
